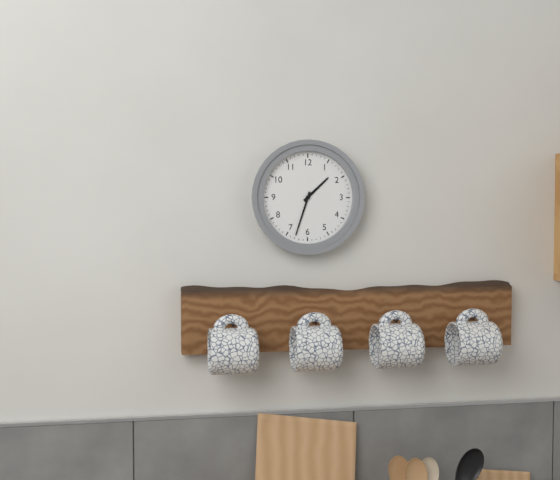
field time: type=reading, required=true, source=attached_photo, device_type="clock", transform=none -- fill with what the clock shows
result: 1:33
